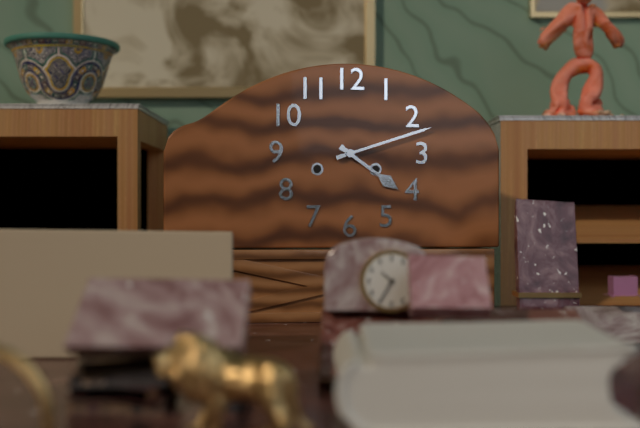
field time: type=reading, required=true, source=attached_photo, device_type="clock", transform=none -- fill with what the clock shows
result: 4:12
